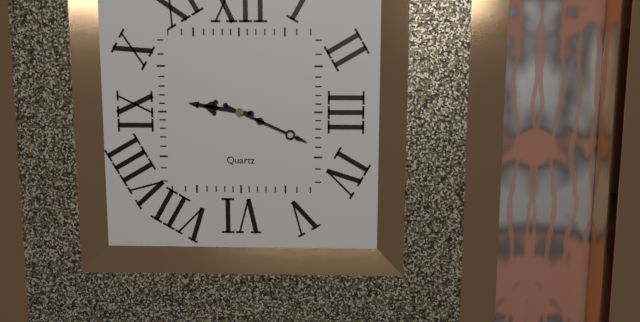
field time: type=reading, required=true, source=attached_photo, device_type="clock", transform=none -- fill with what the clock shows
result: 9:19
